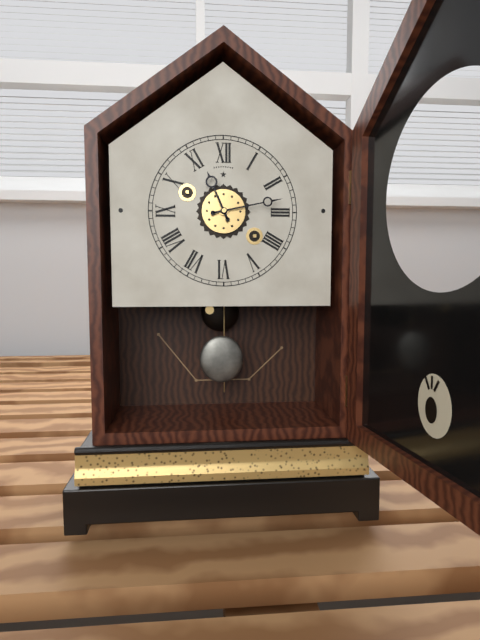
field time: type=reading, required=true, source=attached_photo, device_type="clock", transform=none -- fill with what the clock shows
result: 11:13
